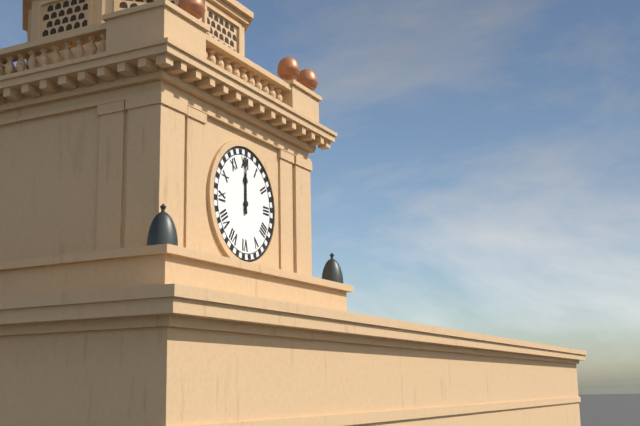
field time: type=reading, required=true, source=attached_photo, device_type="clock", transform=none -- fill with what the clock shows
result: 12:00
